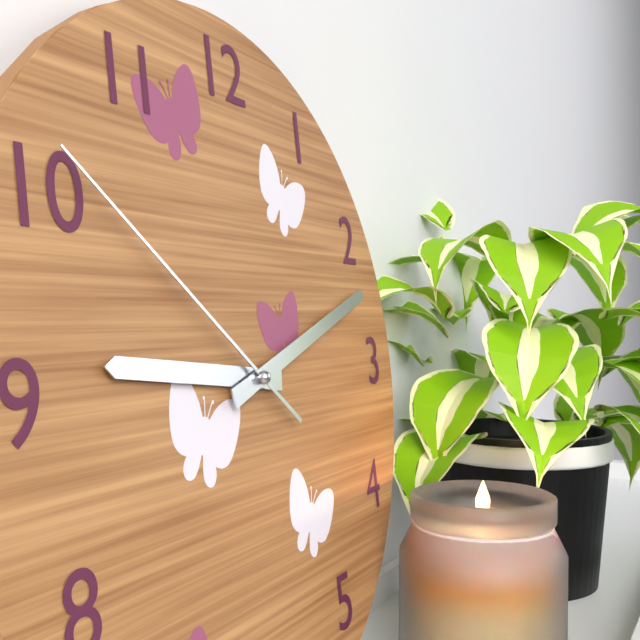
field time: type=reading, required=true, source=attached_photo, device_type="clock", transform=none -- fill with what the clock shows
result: 9:12:51
